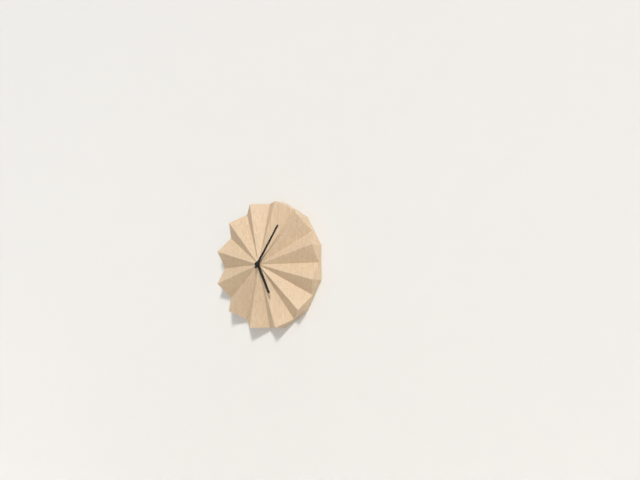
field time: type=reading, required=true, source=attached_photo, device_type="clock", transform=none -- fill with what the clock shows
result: 5:06
